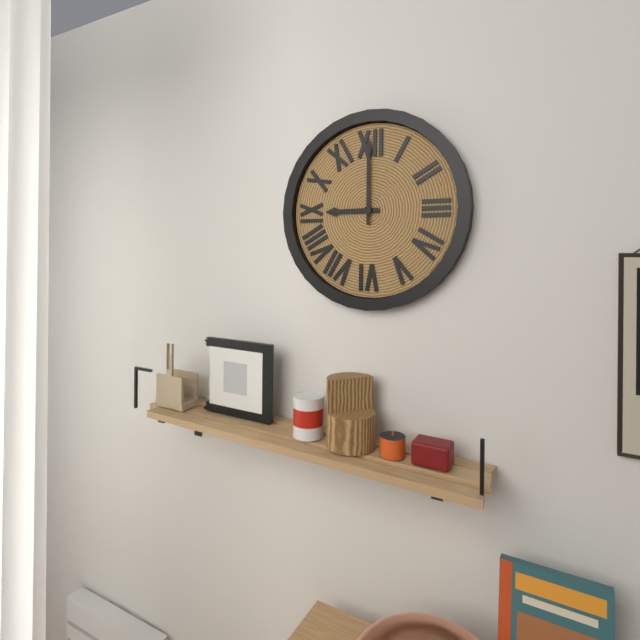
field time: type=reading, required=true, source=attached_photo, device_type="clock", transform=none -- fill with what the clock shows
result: 9:00
